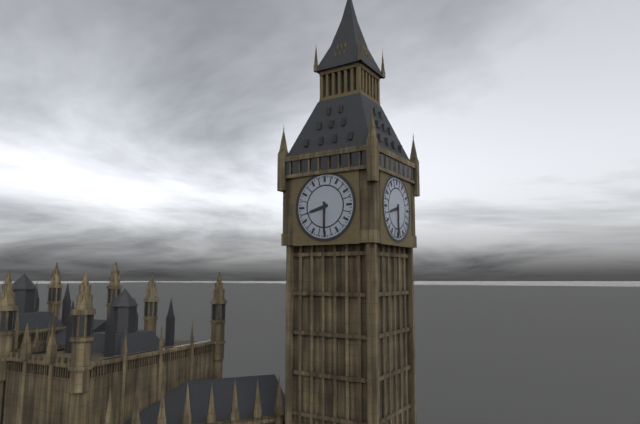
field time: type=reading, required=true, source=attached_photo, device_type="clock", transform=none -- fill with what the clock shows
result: 8:30
